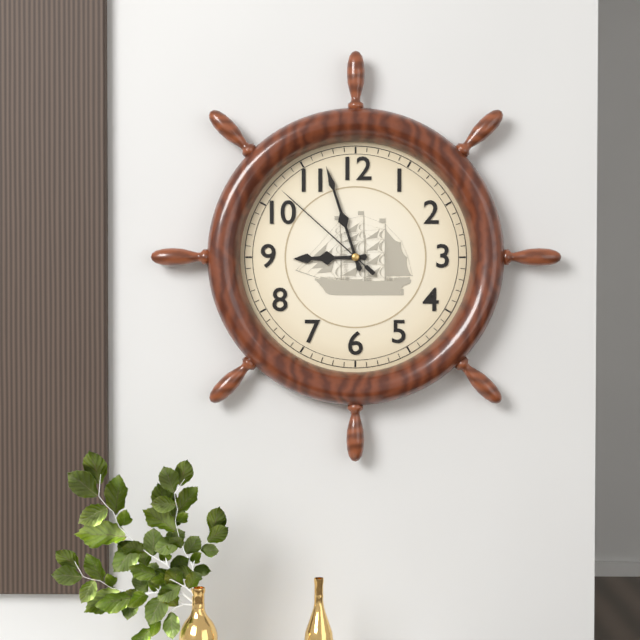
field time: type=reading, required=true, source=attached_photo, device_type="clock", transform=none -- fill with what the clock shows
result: 8:57:52
